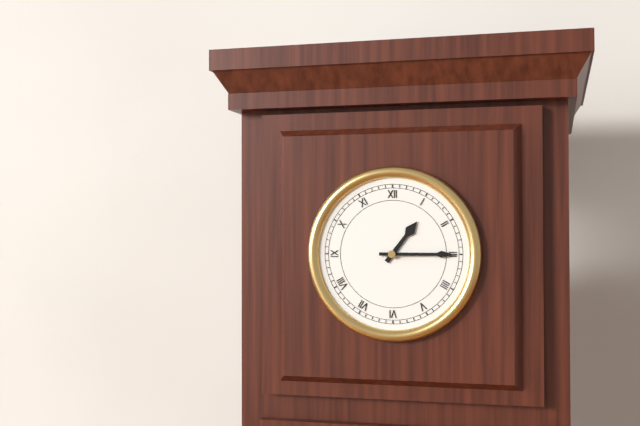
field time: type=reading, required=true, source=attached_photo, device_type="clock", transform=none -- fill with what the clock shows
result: 1:15
